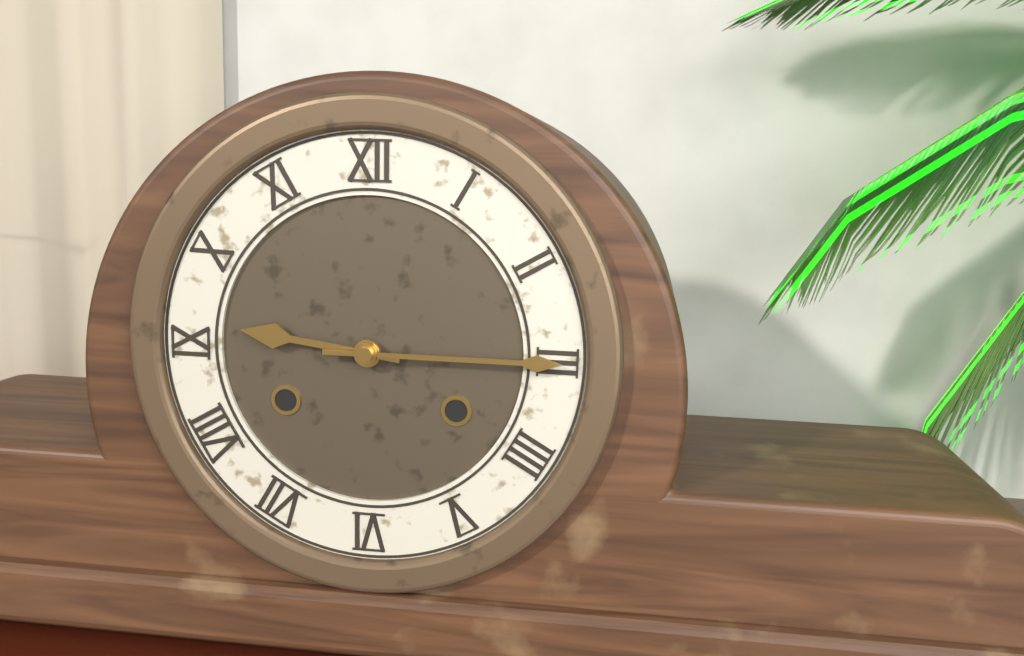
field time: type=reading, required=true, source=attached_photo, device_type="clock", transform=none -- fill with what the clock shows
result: 9:15
